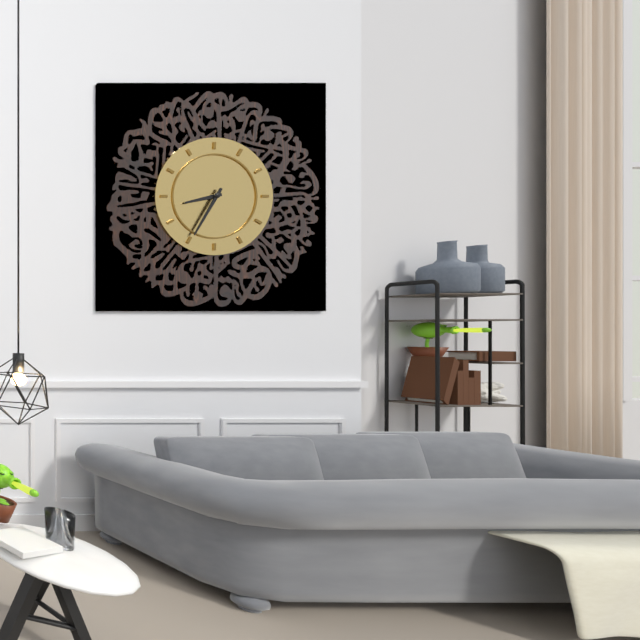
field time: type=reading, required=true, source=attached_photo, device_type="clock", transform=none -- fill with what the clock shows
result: 8:35
